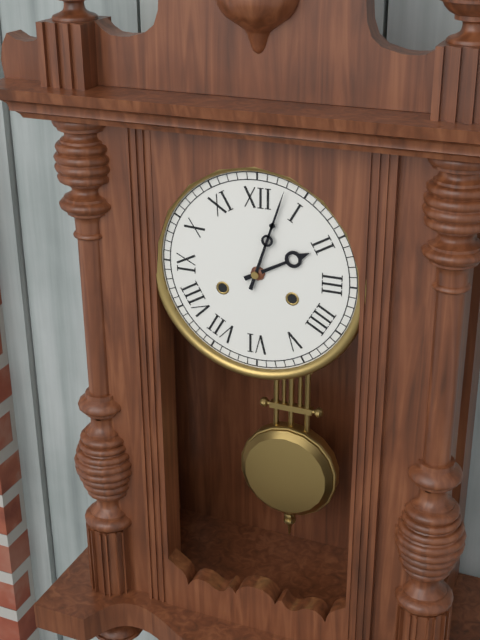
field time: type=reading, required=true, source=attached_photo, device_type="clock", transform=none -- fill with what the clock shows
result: 2:03
